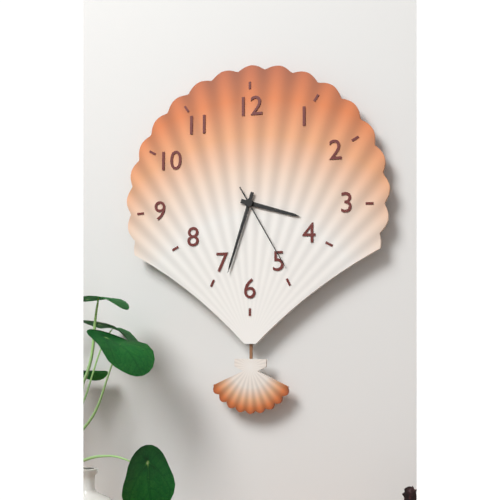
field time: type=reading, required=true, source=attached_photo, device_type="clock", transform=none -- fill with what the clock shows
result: 3:33:25
